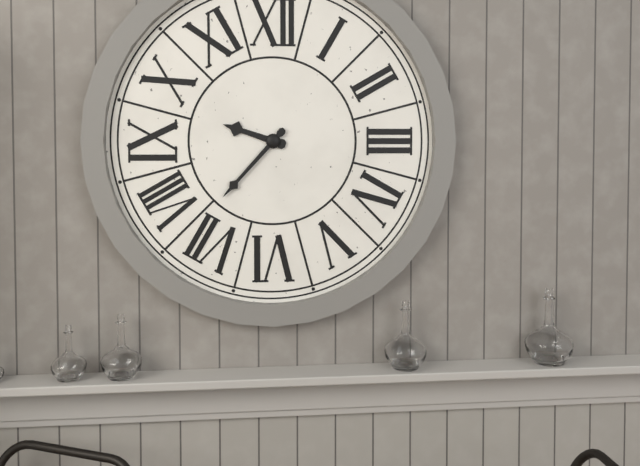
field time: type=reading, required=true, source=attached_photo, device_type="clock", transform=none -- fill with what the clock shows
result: 9:37
